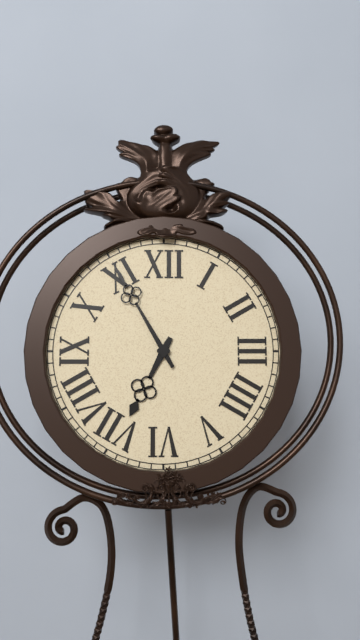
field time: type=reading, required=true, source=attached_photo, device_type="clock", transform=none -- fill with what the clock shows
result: 6:55
